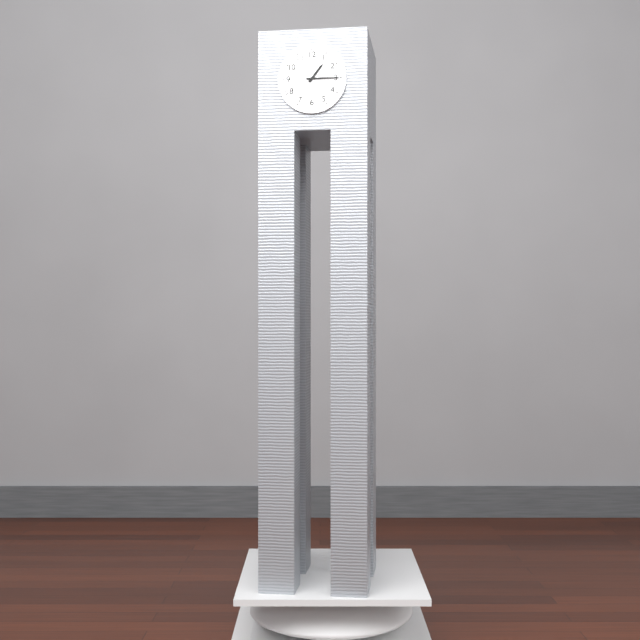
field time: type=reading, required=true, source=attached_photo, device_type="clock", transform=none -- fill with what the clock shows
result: 1:15
